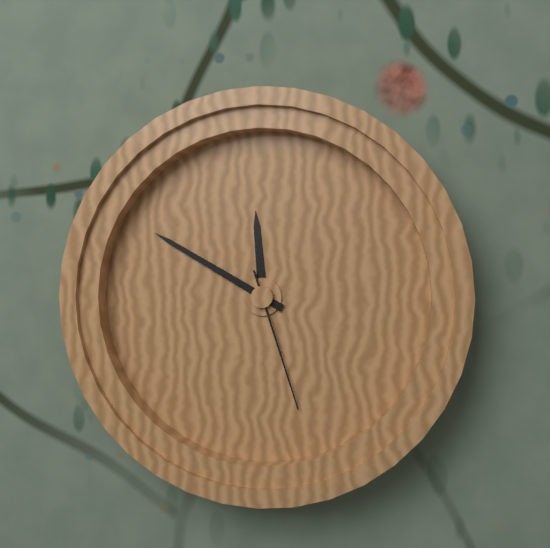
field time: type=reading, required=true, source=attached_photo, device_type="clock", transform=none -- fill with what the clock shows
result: 11:50:27
